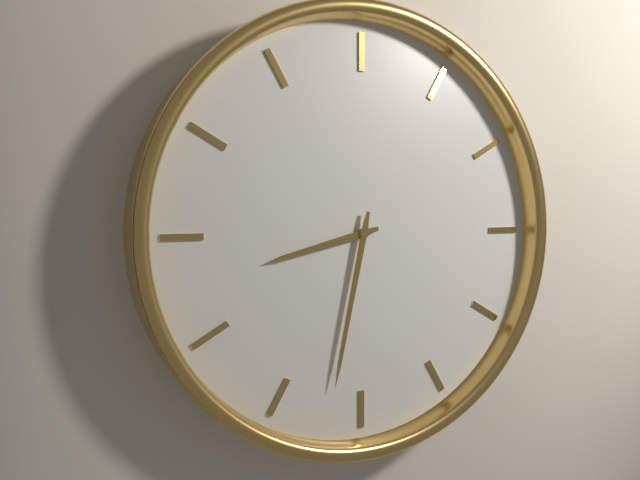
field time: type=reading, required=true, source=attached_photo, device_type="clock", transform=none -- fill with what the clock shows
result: 8:32
